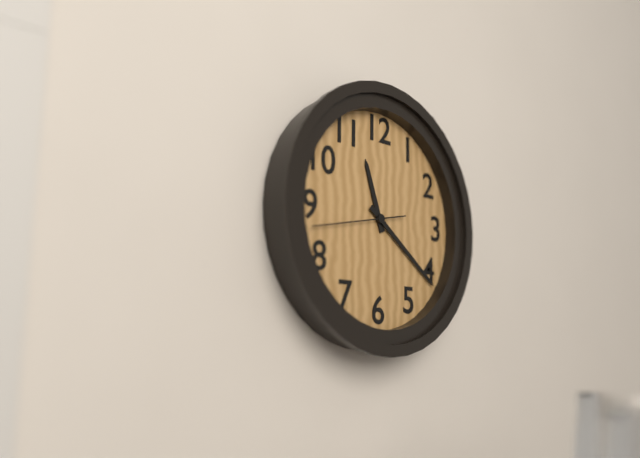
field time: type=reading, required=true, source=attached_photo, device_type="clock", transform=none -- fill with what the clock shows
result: 11:21:43
